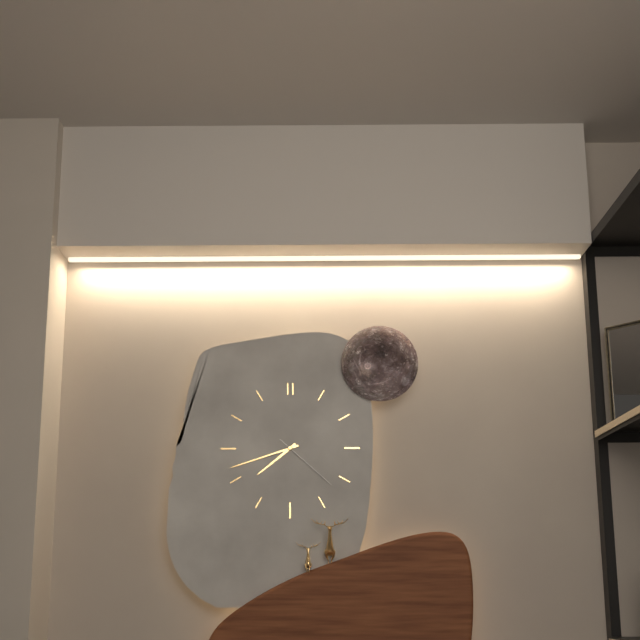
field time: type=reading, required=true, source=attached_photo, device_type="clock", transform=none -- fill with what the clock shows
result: 7:42:22
